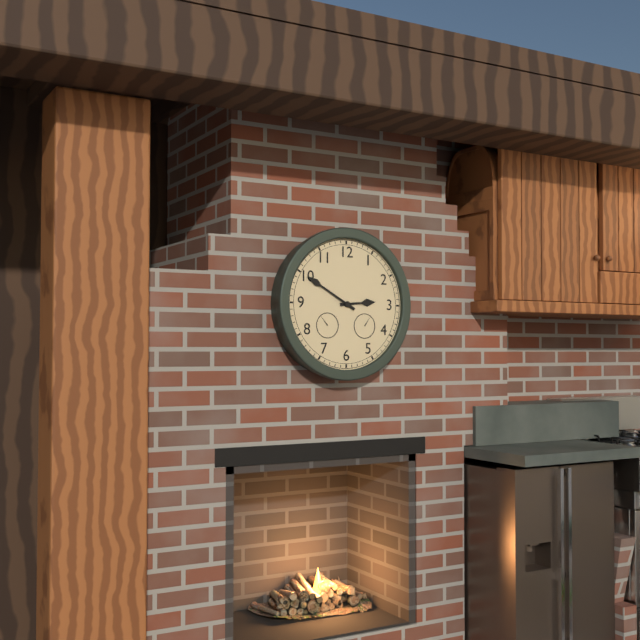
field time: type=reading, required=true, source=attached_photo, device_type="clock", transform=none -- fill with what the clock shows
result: 2:50
